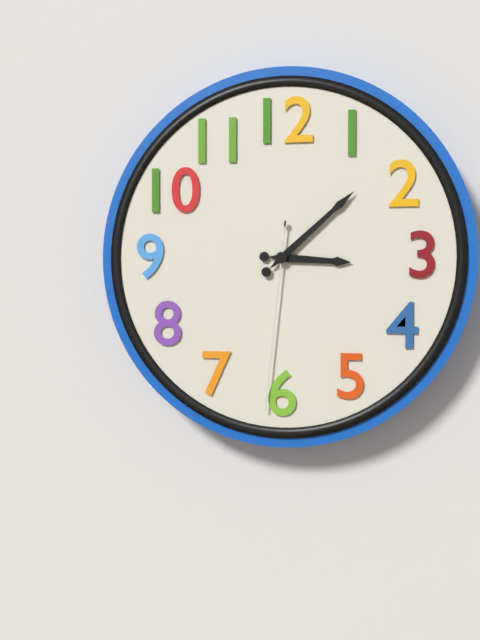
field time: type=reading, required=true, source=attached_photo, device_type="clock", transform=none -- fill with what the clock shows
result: 3:08:31
